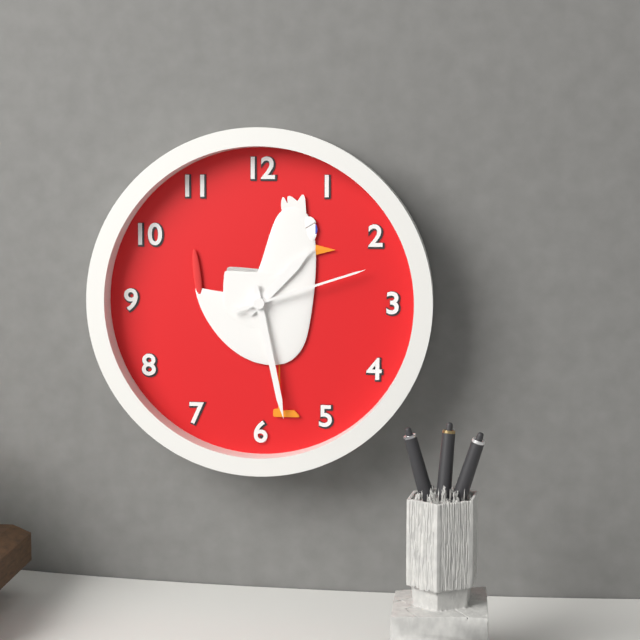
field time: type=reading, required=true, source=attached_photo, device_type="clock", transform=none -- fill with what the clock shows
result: 1:28:12
